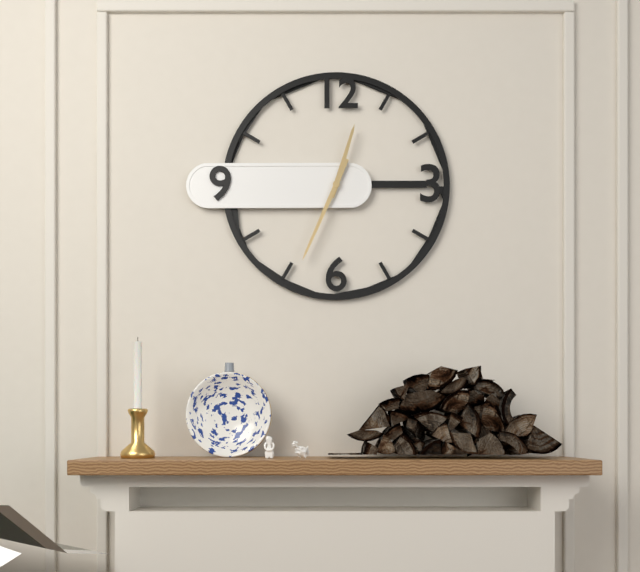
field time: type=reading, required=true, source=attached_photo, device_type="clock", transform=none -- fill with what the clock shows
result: 12:34
